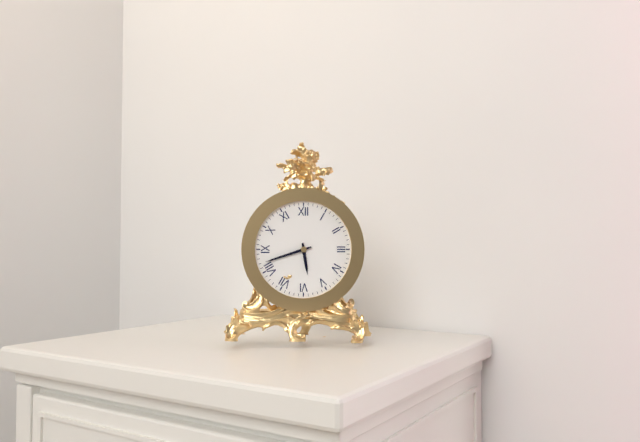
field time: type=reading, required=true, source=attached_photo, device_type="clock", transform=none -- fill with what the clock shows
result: 5:42
